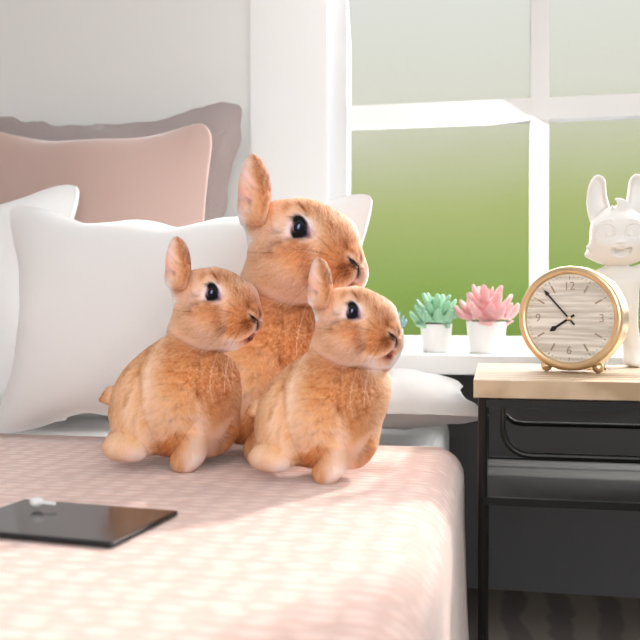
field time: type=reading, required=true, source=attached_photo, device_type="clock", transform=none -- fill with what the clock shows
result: 7:53
